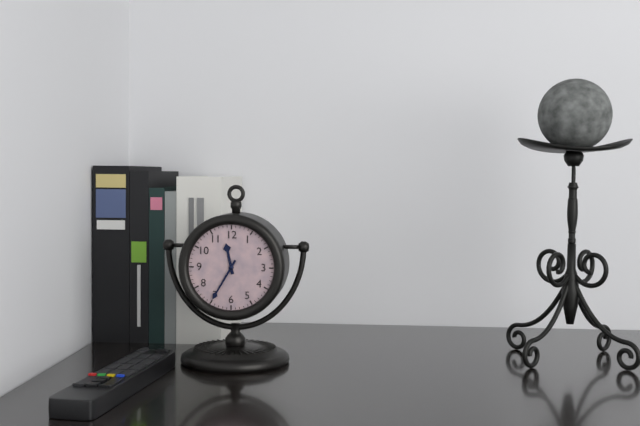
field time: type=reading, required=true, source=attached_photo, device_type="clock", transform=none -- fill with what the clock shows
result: 11:35
